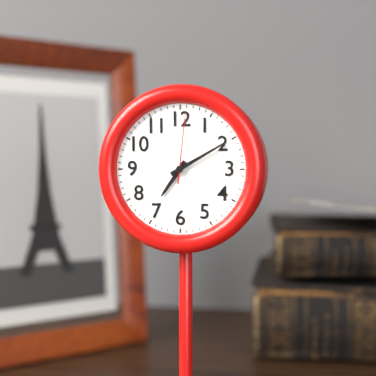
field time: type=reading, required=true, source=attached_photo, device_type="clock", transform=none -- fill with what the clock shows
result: 7:10:01
